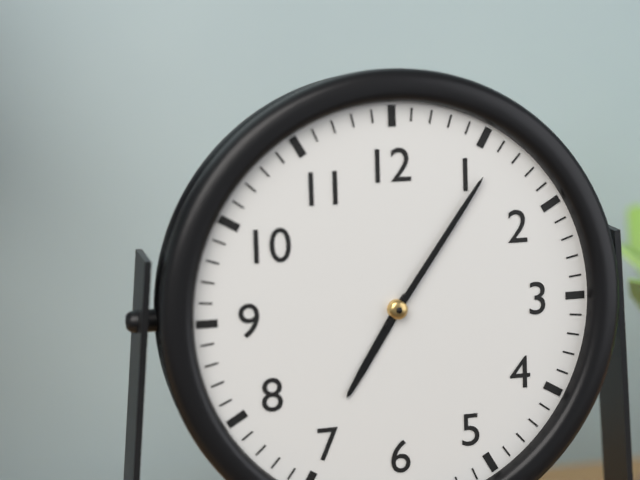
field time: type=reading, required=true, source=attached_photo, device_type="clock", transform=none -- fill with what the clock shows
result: 7:06
